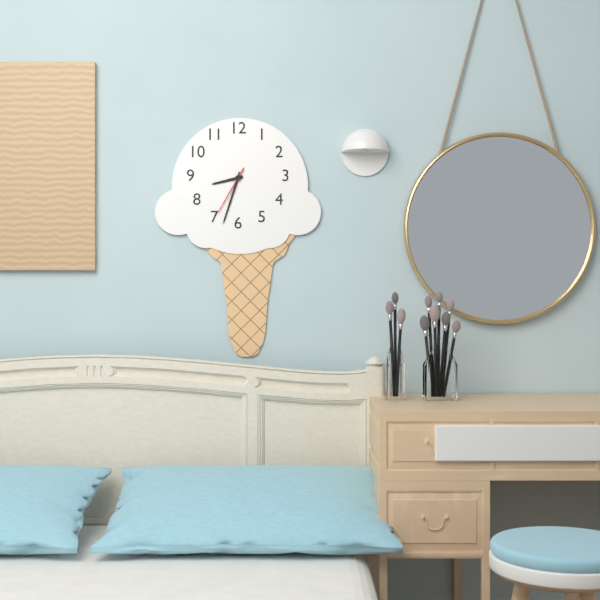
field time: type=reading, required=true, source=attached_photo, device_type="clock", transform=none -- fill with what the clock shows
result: 8:33:35
